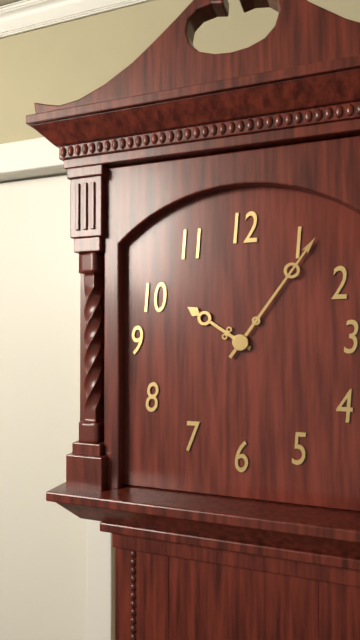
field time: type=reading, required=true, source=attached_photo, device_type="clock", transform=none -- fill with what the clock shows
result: 10:06
